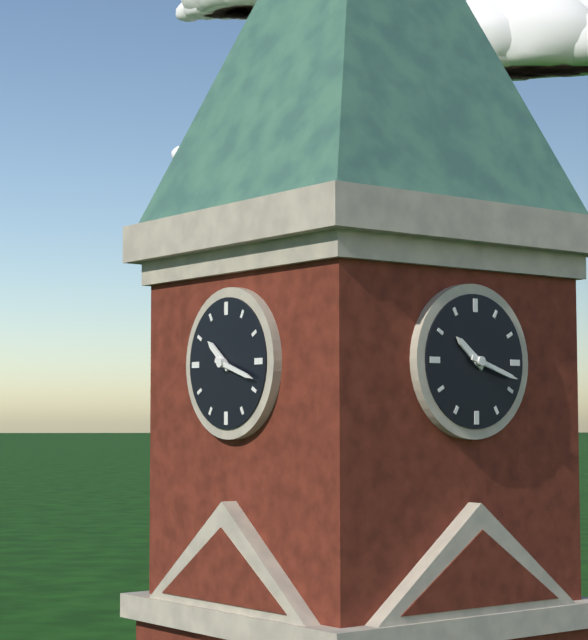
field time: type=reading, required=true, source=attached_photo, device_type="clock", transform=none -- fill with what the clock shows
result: 10:18
